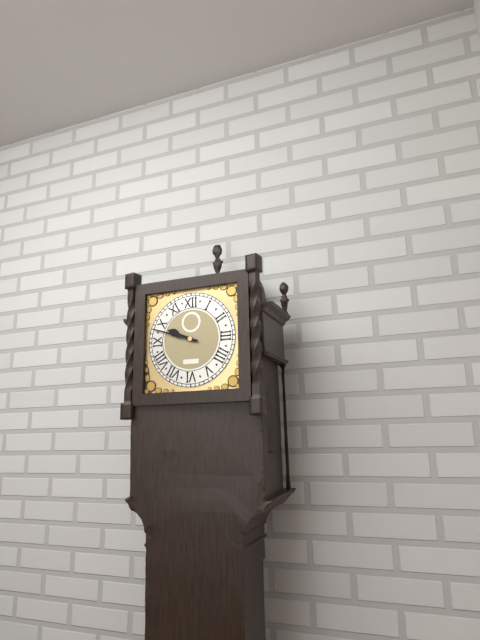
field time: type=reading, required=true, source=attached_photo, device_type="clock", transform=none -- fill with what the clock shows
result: 9:48
